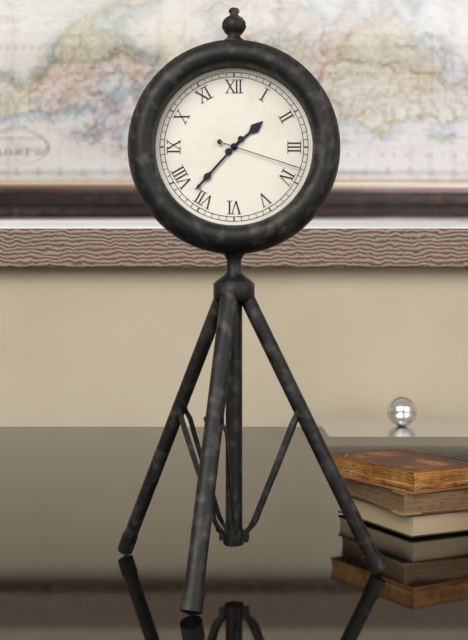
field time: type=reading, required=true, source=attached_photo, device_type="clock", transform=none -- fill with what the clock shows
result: 1:37:18
